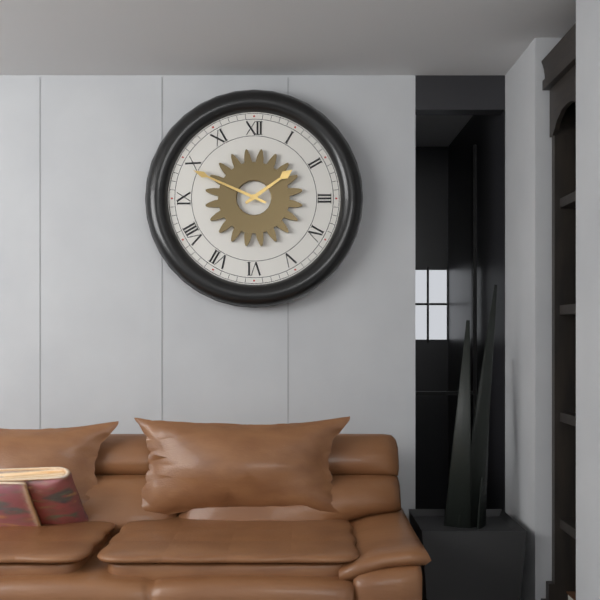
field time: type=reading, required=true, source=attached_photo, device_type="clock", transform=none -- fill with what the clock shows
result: 1:49
